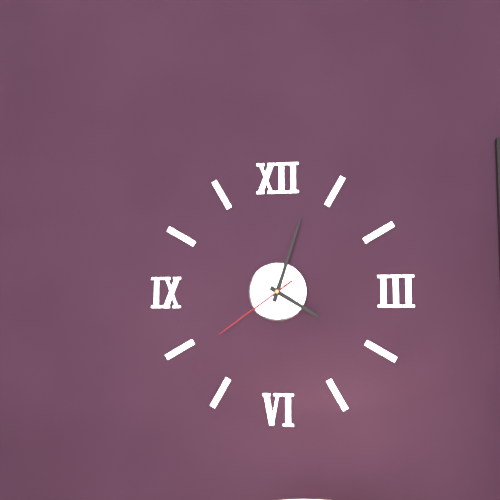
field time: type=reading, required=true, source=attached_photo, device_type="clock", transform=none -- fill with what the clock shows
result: 4:03:39
